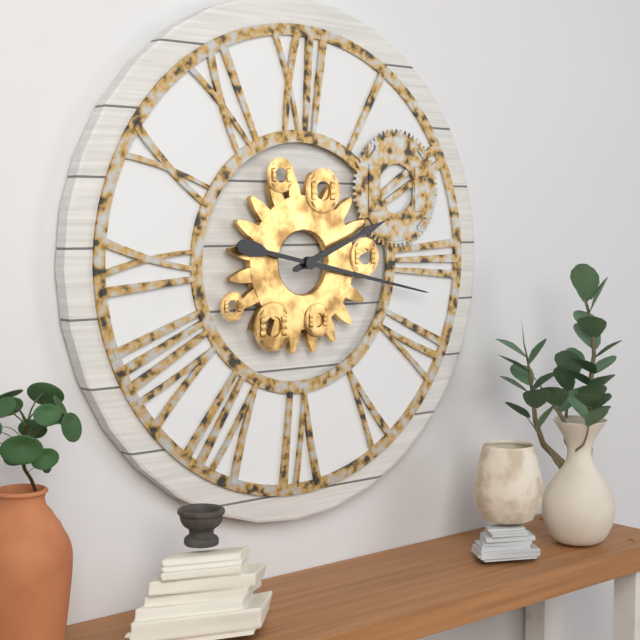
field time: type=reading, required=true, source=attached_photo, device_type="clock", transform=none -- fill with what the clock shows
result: 2:17
